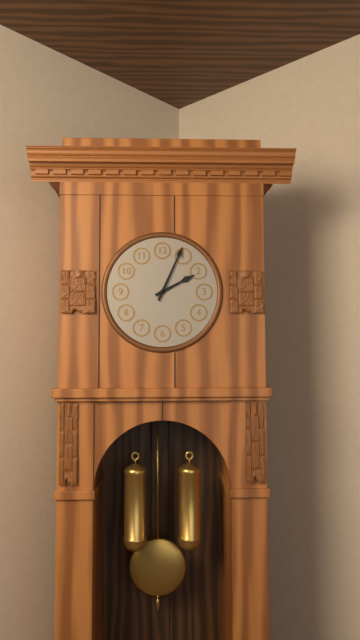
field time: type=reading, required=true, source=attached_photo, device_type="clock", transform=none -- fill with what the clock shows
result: 2:04
